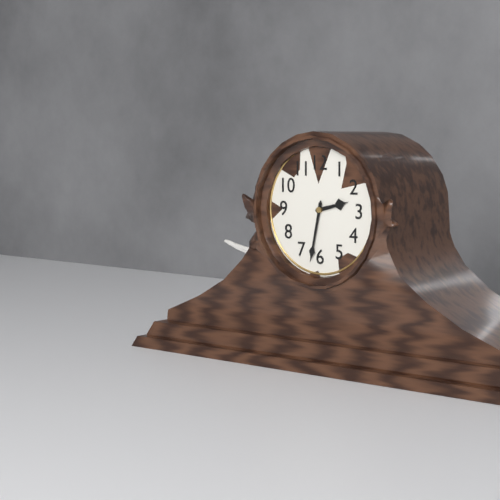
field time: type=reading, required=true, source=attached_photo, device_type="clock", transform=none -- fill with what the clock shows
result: 2:32
